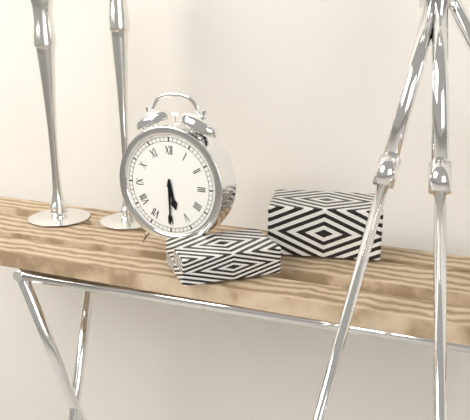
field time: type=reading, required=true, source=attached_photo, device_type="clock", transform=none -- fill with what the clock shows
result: 5:30
